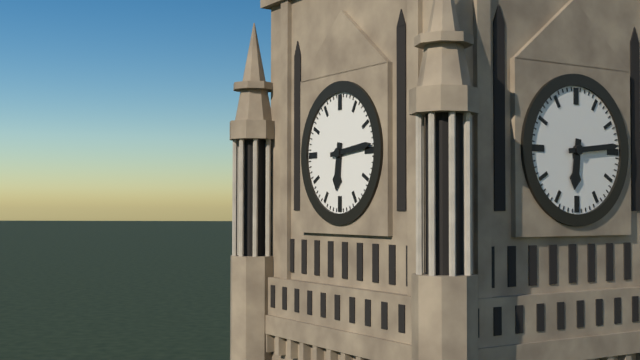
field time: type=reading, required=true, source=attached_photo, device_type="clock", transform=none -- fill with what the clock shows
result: 6:14
